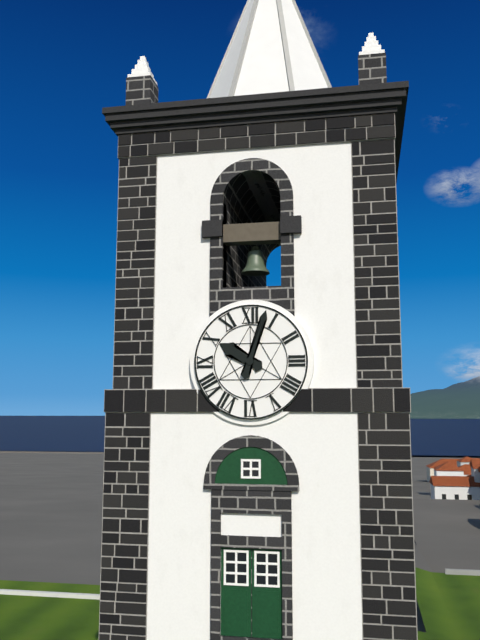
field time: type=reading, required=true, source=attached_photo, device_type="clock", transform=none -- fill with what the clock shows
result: 10:03
